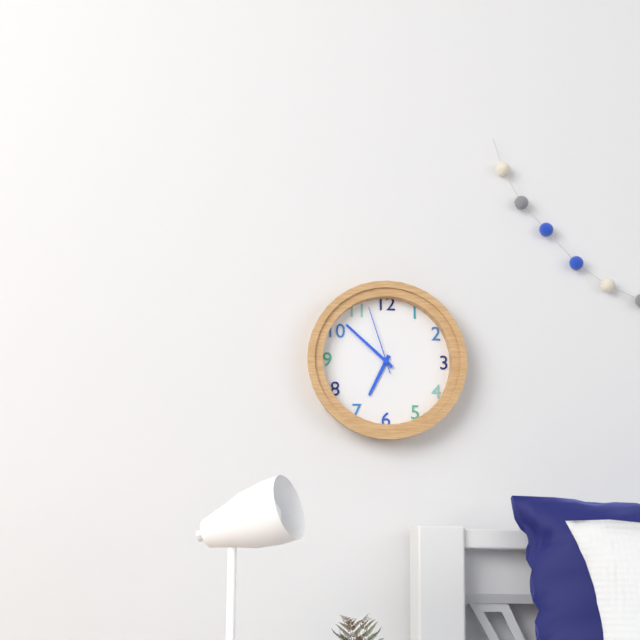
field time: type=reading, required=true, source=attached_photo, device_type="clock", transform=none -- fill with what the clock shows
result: 6:52:57
